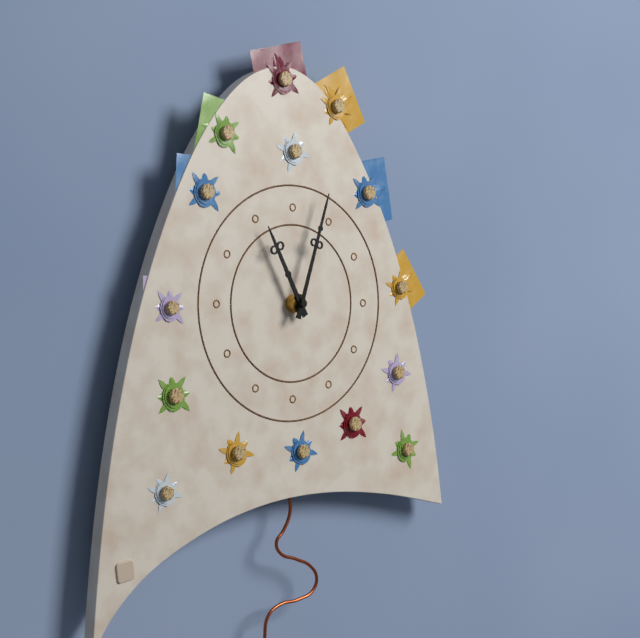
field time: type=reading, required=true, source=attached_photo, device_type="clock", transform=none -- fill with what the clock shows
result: 11:03
